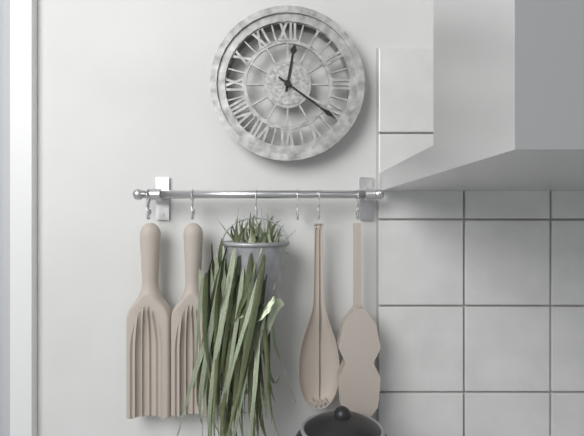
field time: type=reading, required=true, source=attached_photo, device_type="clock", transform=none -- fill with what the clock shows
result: 12:21
